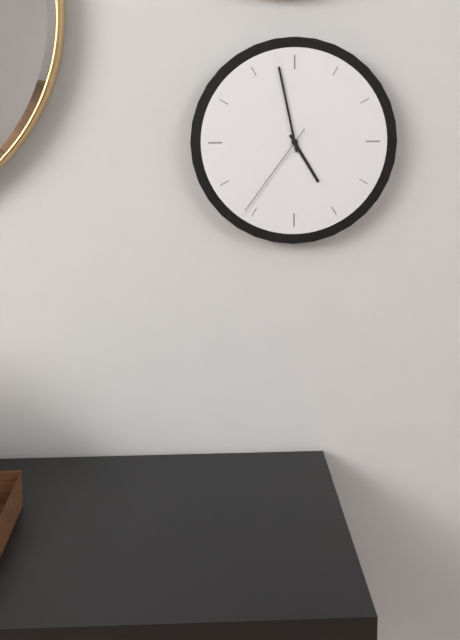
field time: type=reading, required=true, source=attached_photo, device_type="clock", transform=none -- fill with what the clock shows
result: 4:58:36
